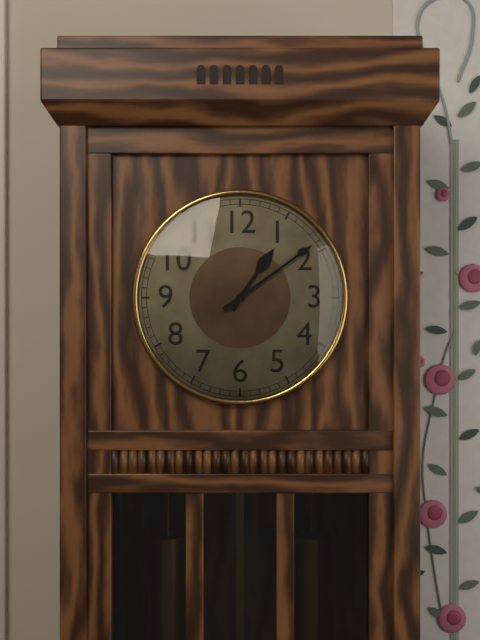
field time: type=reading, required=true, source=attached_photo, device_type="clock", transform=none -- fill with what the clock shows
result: 1:09
